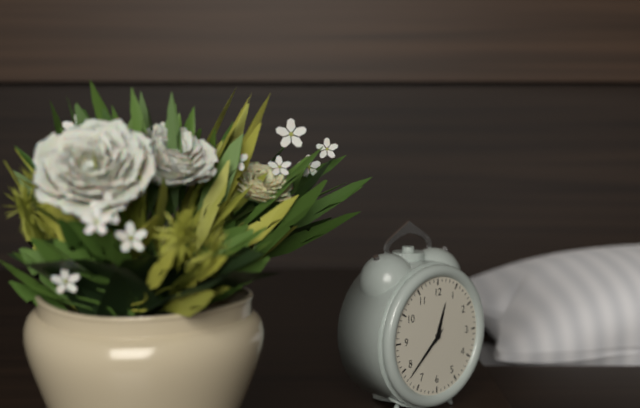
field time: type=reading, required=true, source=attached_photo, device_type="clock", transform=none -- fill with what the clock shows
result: 12:38
